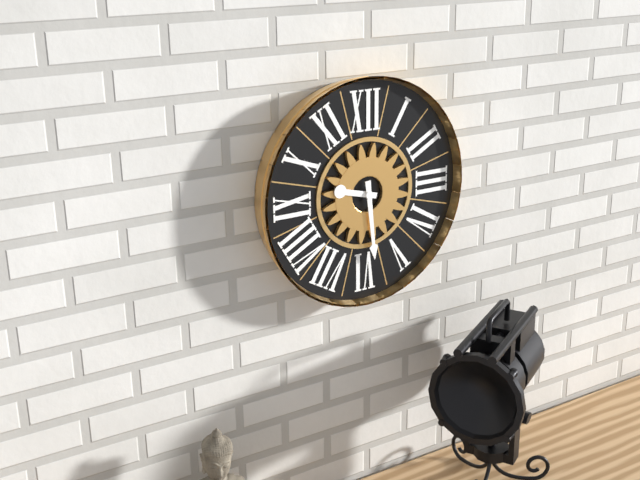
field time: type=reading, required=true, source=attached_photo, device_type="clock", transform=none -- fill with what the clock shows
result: 9:29
